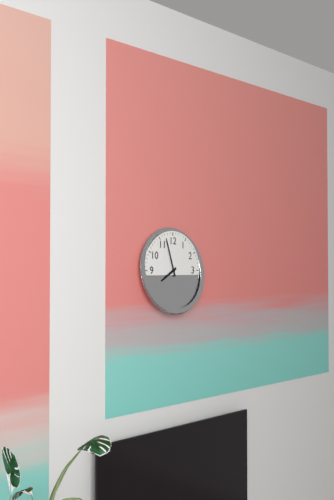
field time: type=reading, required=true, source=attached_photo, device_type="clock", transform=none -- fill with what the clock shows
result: 7:57
